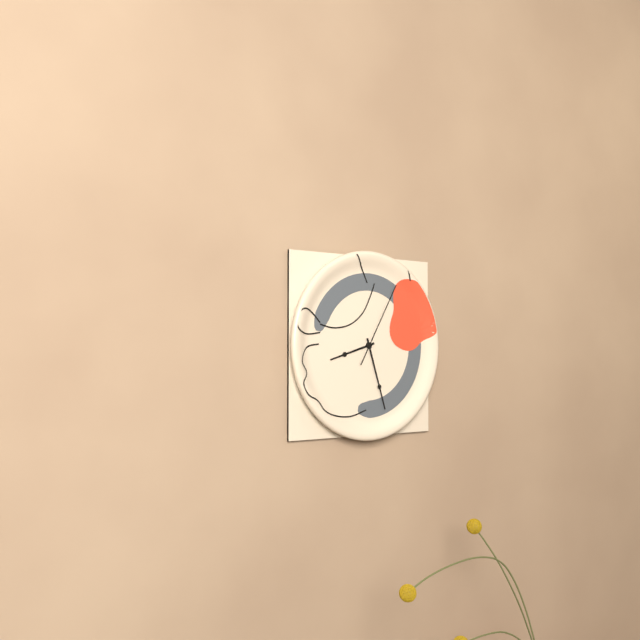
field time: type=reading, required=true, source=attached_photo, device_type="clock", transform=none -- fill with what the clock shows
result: 8:27:05
